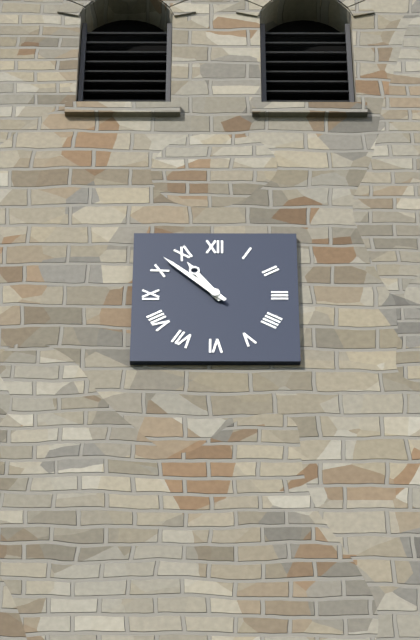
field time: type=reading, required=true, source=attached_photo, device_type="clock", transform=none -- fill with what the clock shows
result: 10:52
